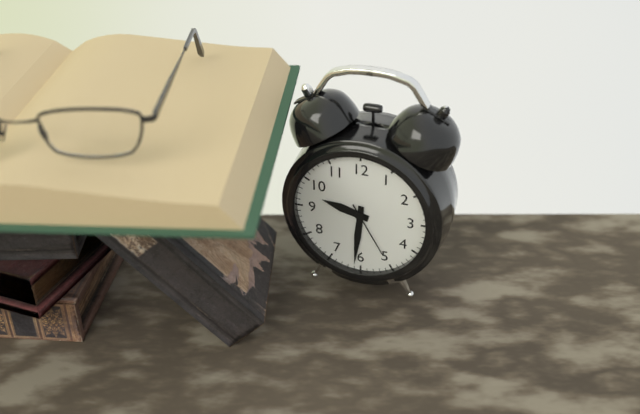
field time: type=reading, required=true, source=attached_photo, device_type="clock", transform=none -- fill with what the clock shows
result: 9:31:25
